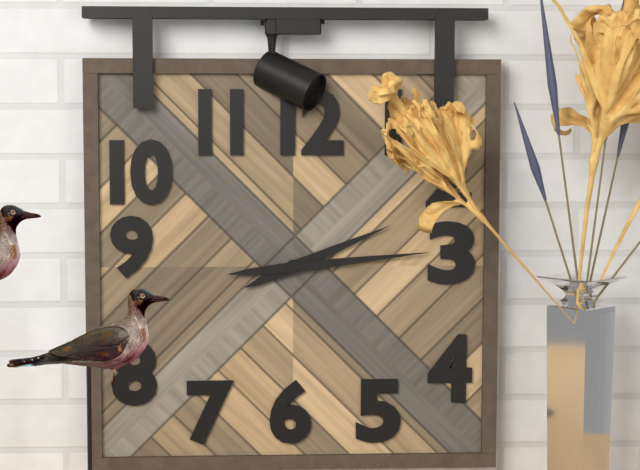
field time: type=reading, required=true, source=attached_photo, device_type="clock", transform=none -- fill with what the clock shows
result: 2:14
